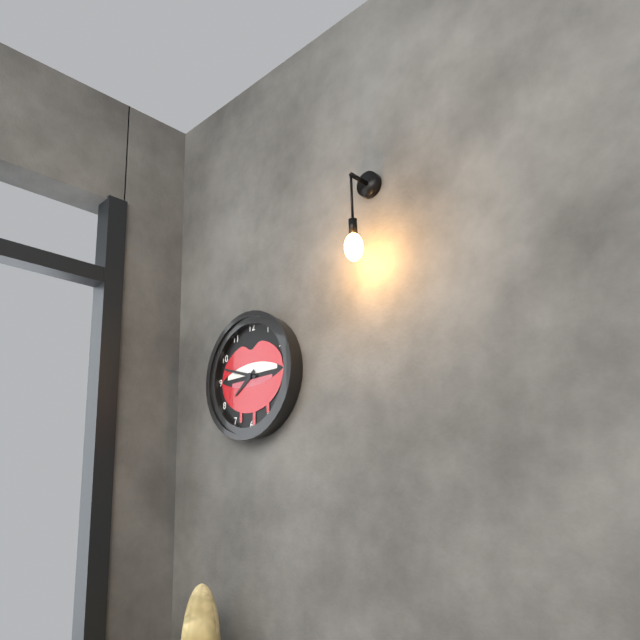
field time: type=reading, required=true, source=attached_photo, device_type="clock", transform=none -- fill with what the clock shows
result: 7:48
